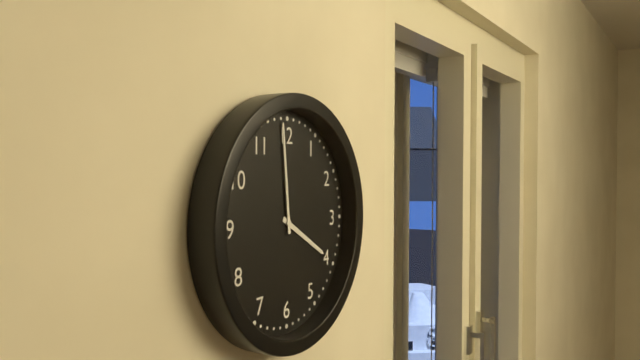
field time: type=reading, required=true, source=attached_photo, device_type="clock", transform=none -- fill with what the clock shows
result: 3:59
